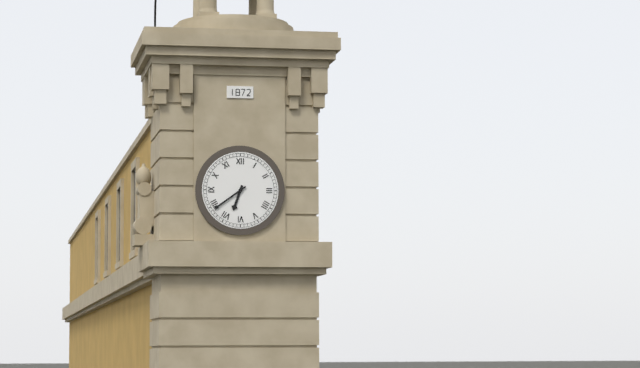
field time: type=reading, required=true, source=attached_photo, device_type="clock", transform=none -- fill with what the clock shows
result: 6:39
